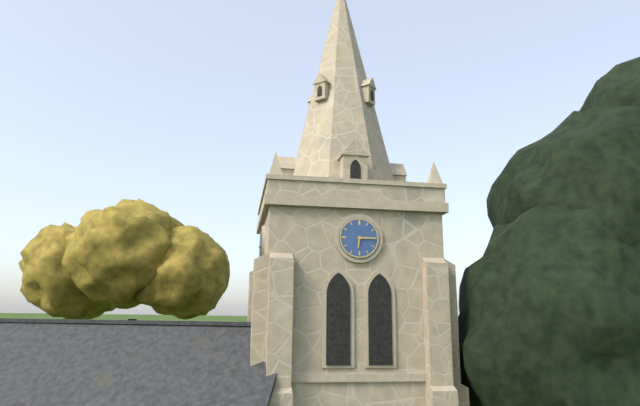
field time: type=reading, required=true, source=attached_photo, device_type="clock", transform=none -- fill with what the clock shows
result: 6:15
